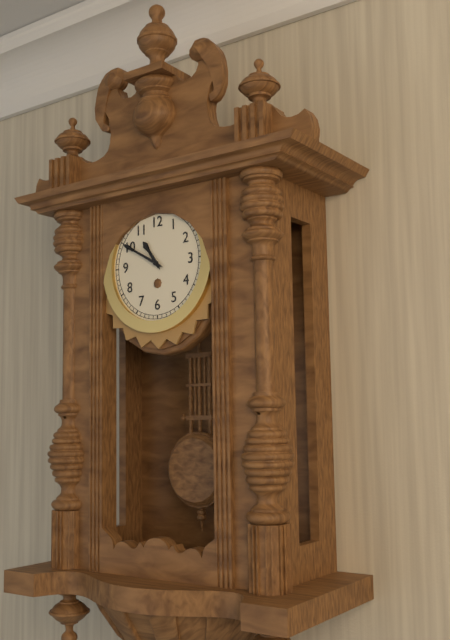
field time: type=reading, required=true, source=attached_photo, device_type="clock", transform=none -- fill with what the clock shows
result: 10:50
